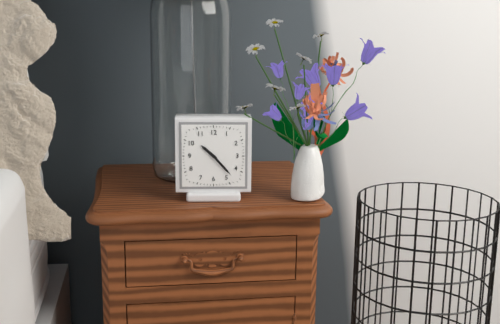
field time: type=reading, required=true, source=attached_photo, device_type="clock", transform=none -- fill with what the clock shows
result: 10:23
